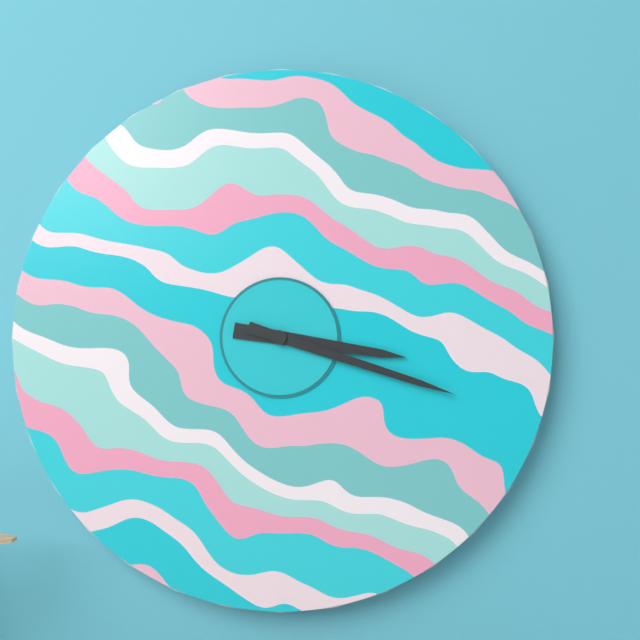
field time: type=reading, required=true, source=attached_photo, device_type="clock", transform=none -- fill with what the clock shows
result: 3:18
